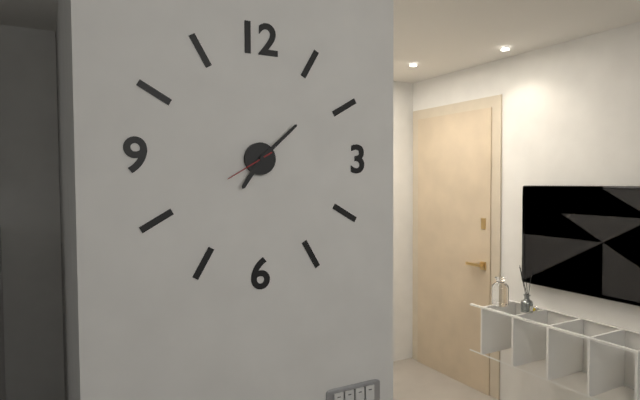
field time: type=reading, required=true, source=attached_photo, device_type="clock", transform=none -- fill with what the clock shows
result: 7:08
